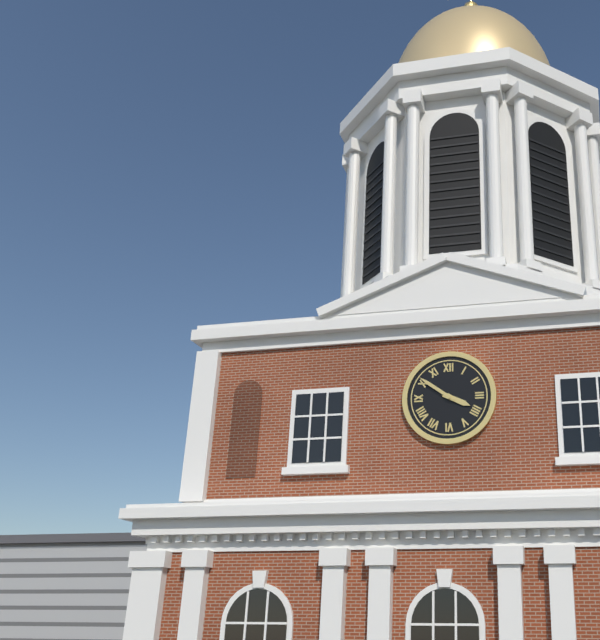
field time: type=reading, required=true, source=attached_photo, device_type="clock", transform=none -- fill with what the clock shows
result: 3:51
